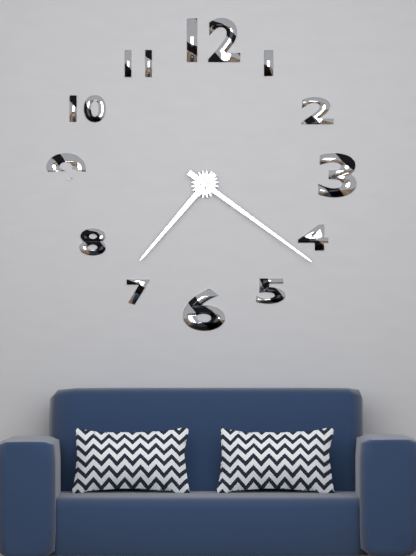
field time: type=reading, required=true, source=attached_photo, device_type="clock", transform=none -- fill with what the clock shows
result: 7:21
